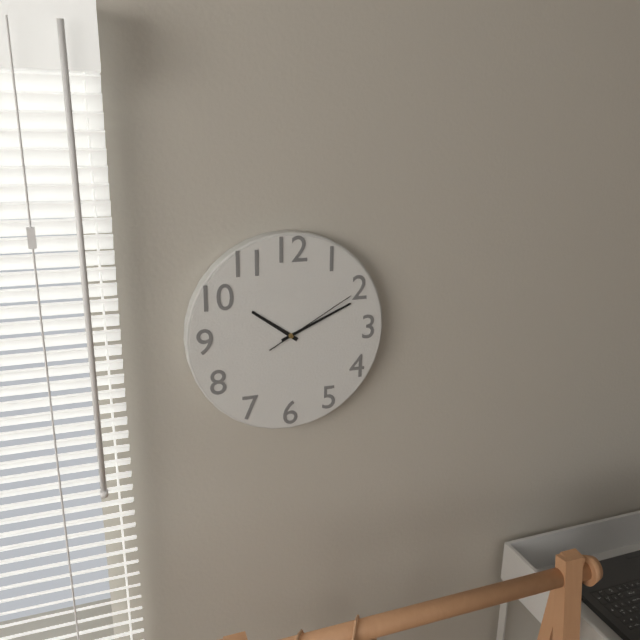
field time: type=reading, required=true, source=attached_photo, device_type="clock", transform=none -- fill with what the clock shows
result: 10:11:10
